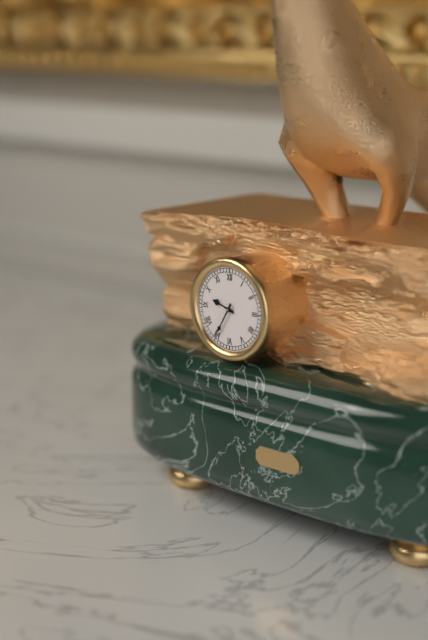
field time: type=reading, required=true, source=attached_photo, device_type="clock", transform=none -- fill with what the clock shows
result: 9:35
